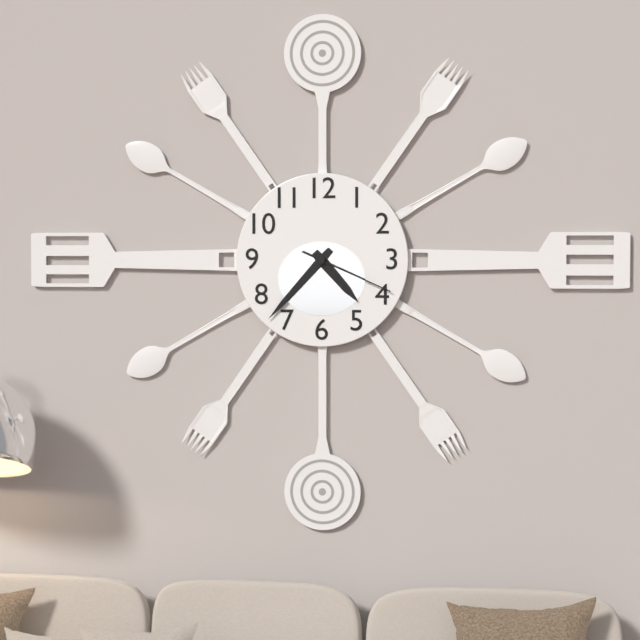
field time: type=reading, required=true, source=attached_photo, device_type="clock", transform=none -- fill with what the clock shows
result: 4:37:19
